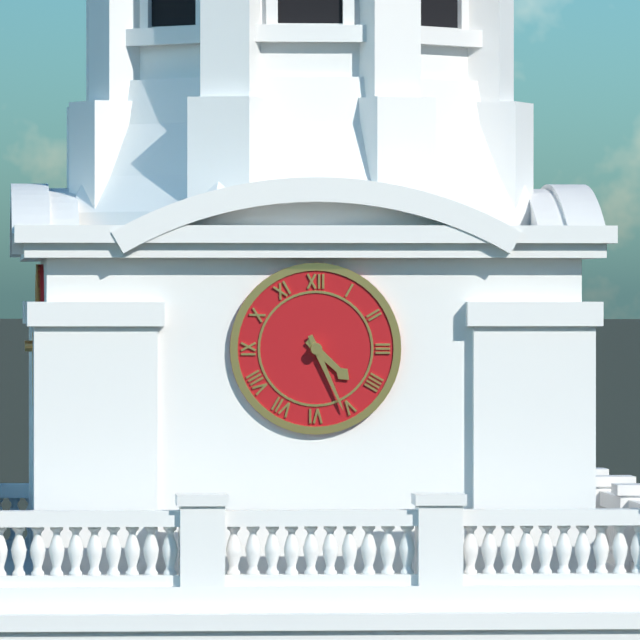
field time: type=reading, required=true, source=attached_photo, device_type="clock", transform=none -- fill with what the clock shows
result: 4:26
